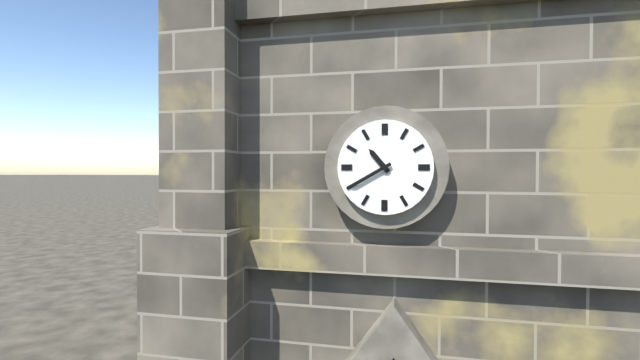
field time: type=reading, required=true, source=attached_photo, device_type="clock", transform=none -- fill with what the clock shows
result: 10:40
